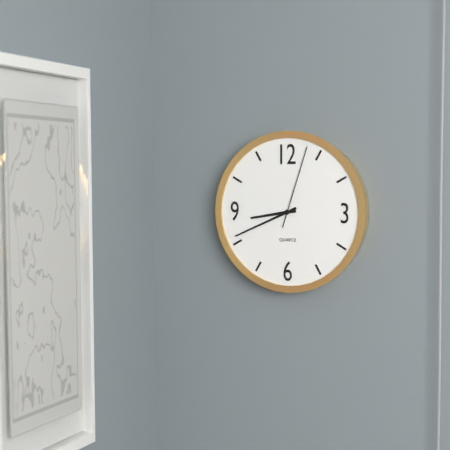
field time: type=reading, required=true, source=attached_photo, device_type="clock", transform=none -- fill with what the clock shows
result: 8:41:03
